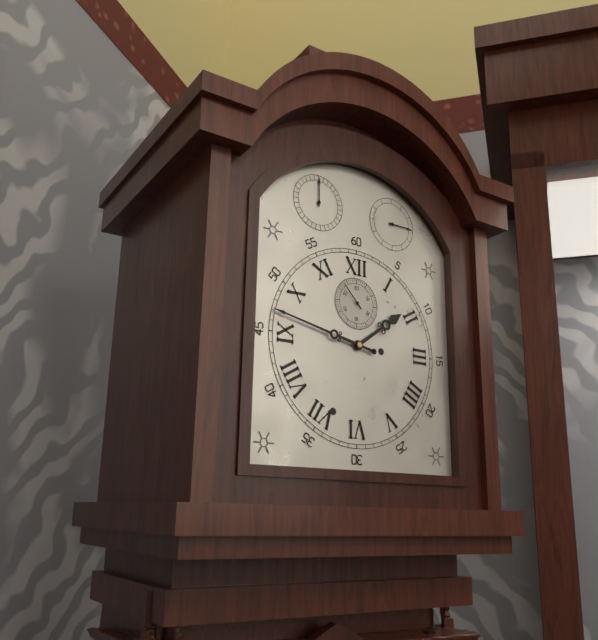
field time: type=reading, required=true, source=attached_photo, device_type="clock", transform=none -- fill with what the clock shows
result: 1:47
